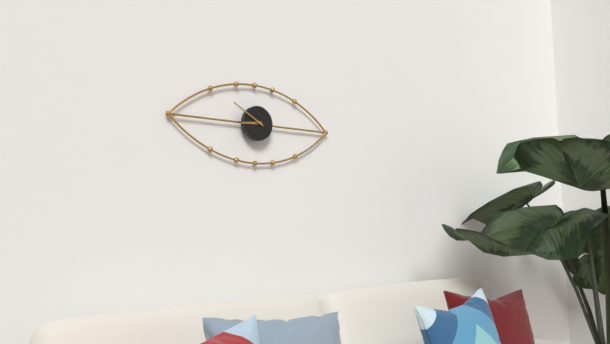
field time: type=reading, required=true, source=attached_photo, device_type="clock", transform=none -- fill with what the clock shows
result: 8:50
